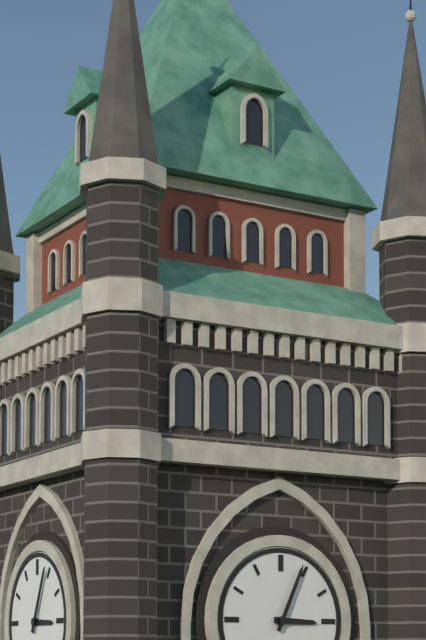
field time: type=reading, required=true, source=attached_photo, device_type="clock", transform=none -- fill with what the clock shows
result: 3:04
